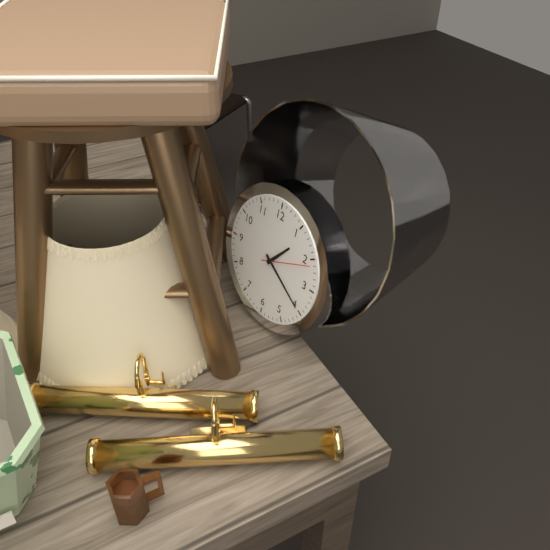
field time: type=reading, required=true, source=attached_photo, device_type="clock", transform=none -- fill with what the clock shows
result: 1:20:11
